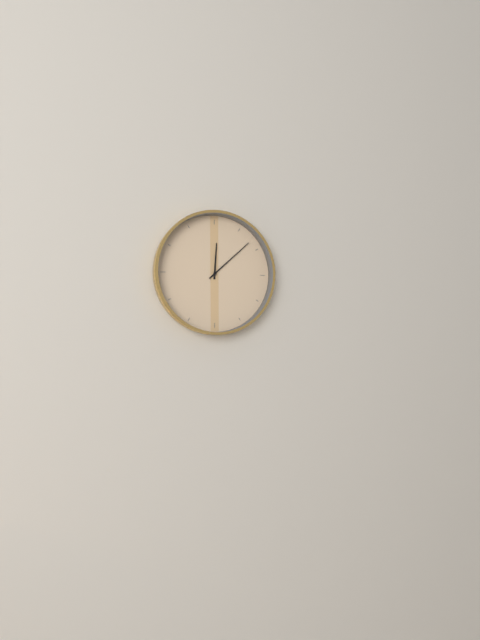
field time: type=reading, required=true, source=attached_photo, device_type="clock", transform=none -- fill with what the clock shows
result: 12:08
